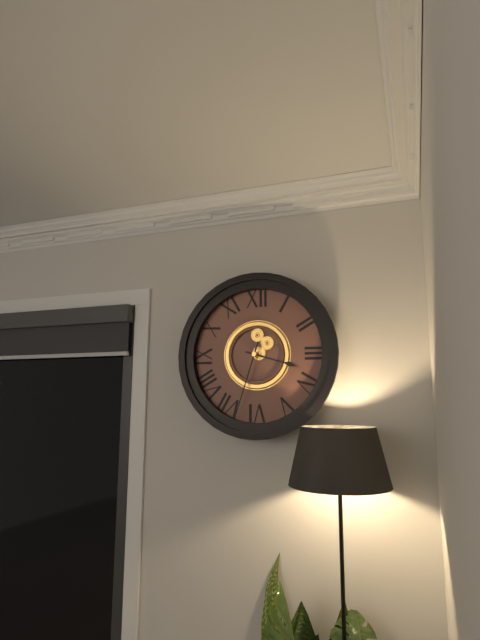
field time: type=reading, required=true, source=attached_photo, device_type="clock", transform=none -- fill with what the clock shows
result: 3:33
